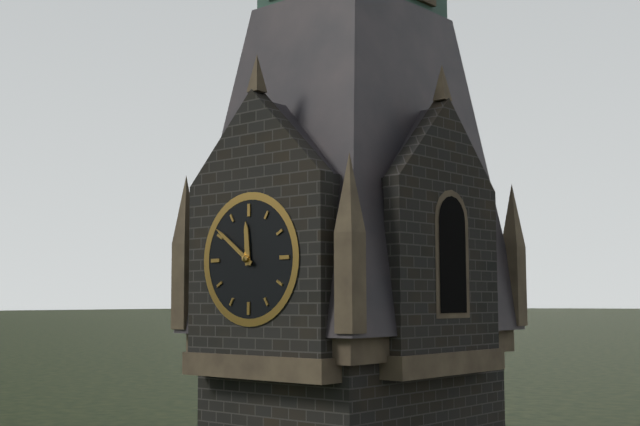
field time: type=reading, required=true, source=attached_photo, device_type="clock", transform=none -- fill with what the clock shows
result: 11:51
